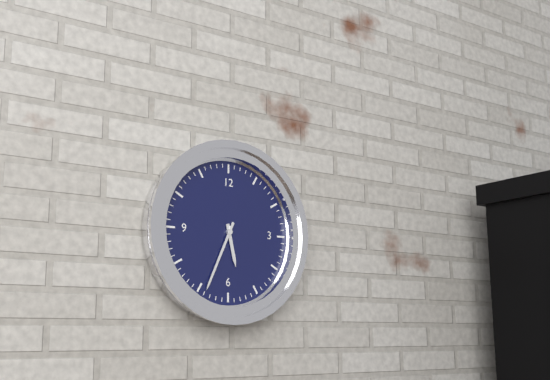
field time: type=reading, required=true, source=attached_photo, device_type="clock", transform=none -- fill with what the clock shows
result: 5:34
